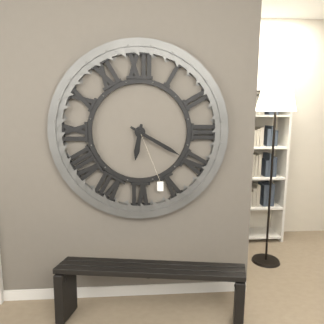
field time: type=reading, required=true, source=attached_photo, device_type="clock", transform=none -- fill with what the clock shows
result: 6:20
